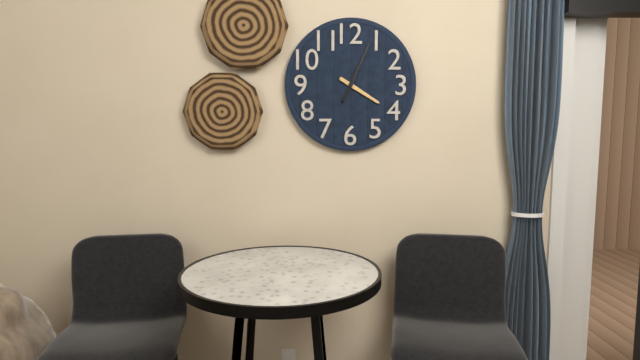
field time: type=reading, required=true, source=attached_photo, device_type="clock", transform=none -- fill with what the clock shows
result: 4:04
